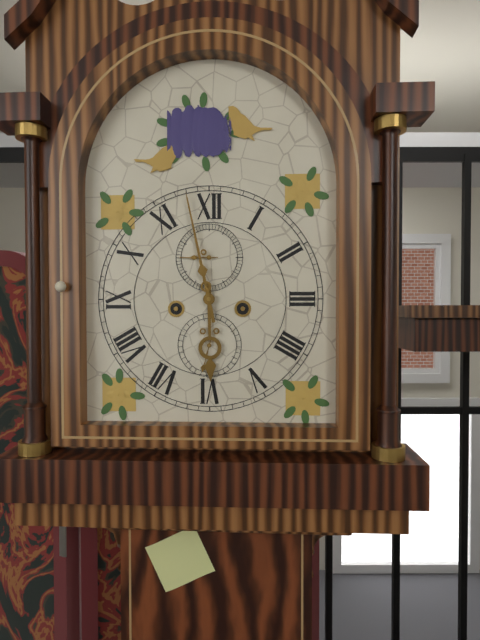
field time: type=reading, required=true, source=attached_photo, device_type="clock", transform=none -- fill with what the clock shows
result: 5:58
